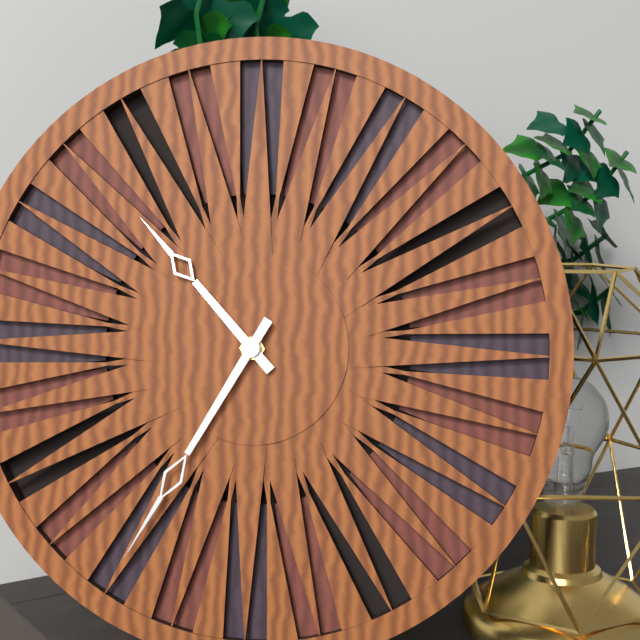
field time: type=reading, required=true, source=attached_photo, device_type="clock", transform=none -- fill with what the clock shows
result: 10:35
